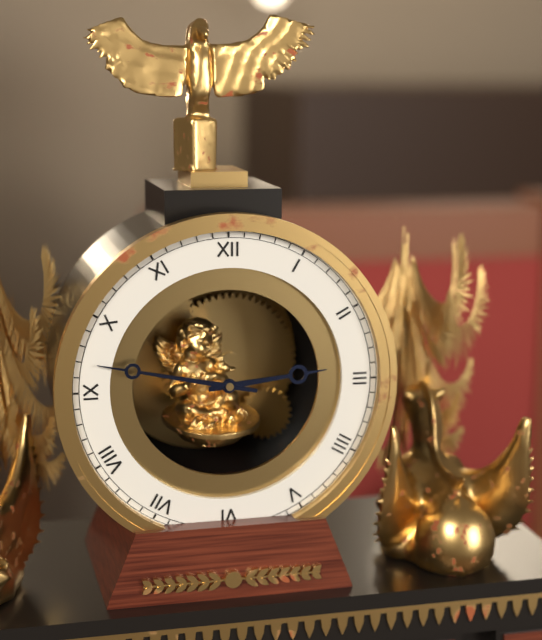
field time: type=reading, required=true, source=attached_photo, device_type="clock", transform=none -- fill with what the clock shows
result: 2:47
